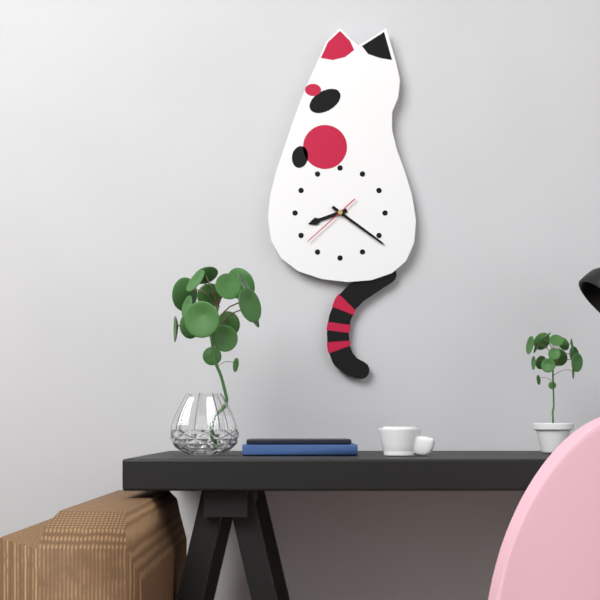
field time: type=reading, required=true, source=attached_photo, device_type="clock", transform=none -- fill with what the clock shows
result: 8:21:38
